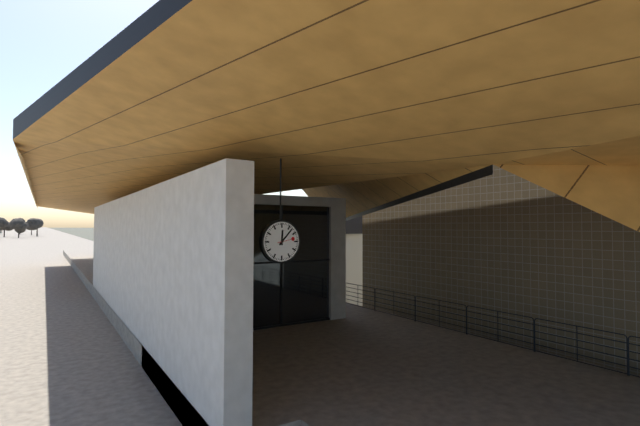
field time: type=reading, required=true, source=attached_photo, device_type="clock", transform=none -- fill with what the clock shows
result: 12:07
